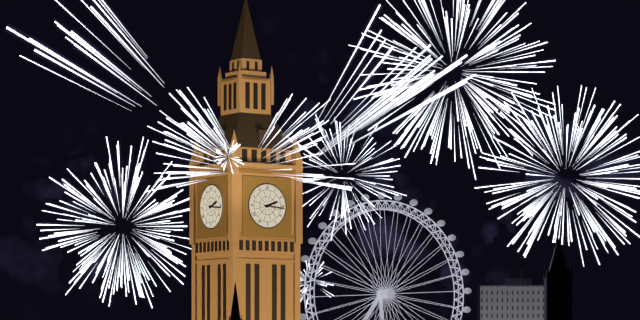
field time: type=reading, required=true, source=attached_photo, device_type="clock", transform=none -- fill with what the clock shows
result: 2:16
